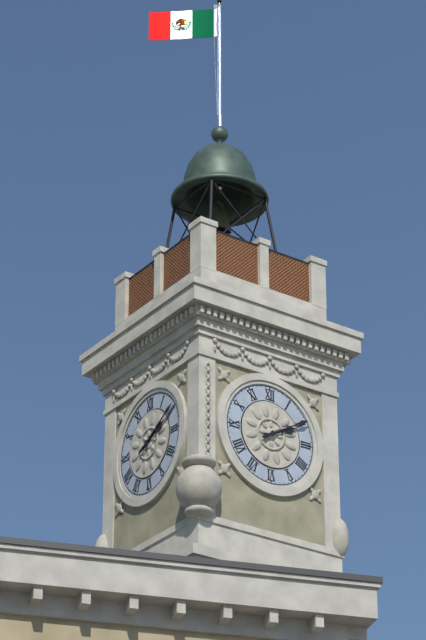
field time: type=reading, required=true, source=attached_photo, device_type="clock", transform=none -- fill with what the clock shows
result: 2:10
